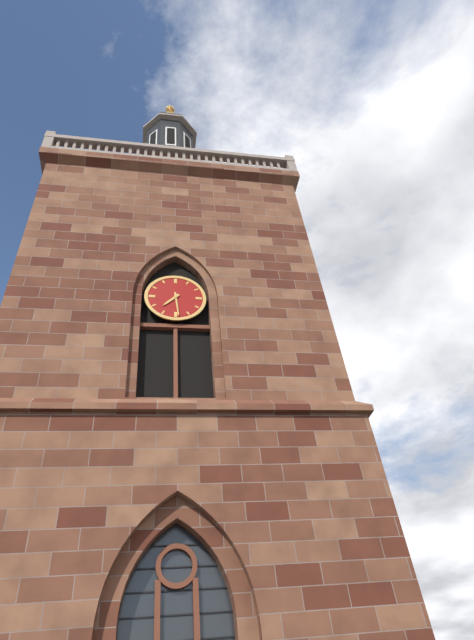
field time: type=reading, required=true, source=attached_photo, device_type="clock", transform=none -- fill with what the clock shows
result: 7:29
